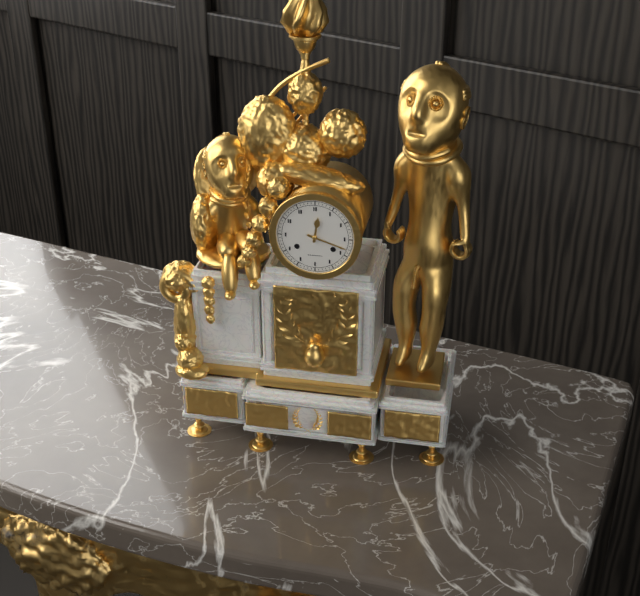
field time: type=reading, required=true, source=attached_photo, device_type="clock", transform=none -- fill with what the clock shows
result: 12:18
